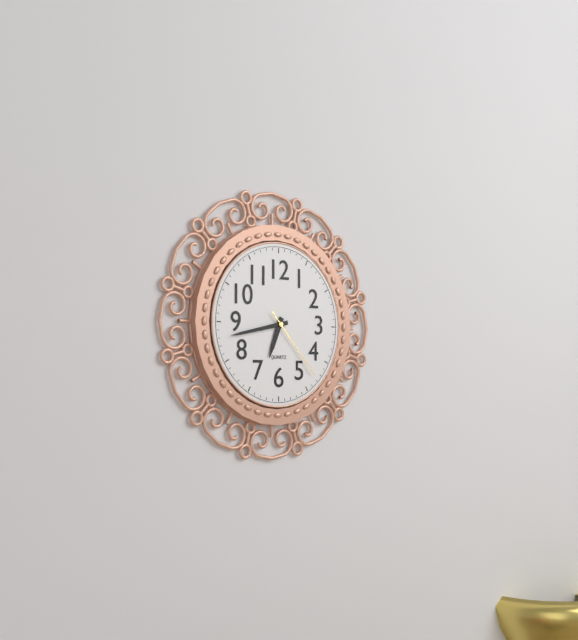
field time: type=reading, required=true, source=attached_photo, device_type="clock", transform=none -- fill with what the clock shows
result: 6:43:23
